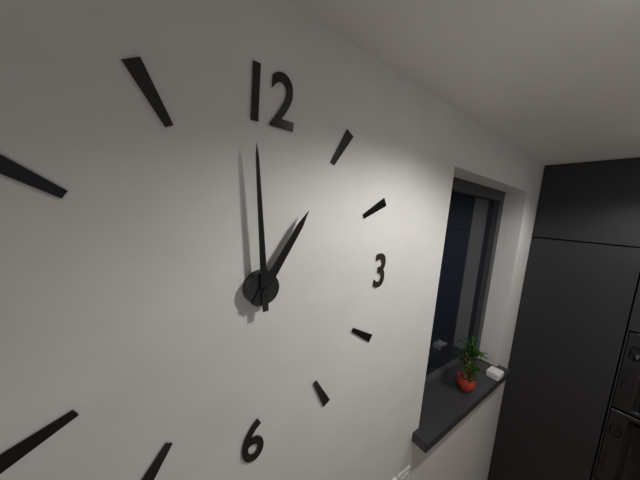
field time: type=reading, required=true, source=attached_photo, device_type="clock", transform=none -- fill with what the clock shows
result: 12:59
